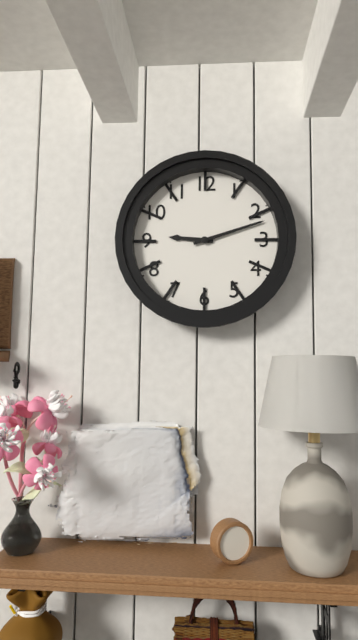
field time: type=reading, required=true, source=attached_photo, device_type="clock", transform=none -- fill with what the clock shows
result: 9:12
